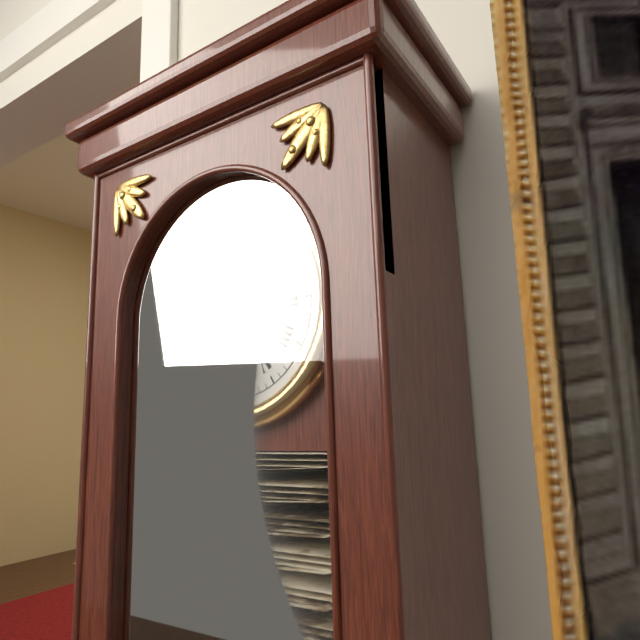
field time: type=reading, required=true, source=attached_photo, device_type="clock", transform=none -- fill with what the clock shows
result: 10:57
